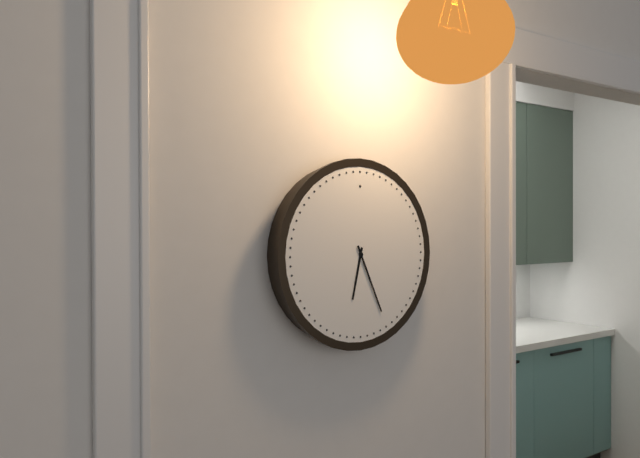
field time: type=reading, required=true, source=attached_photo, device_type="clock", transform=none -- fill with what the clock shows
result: 6:26
